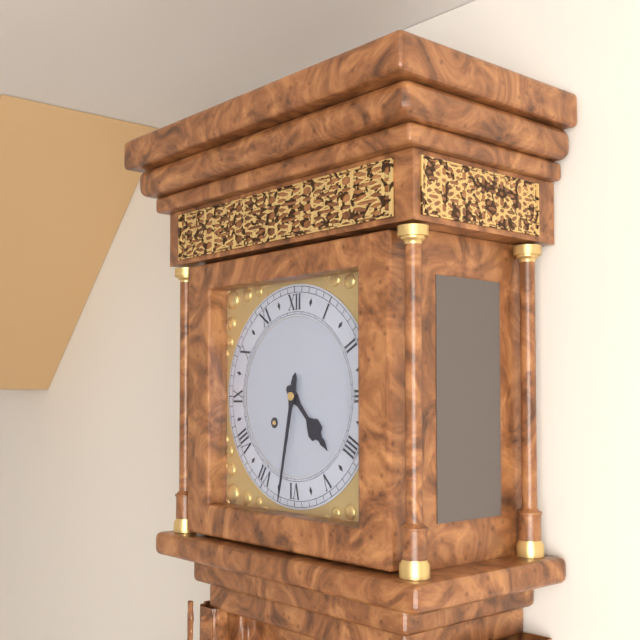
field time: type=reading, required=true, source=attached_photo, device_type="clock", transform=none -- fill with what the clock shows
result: 4:32
